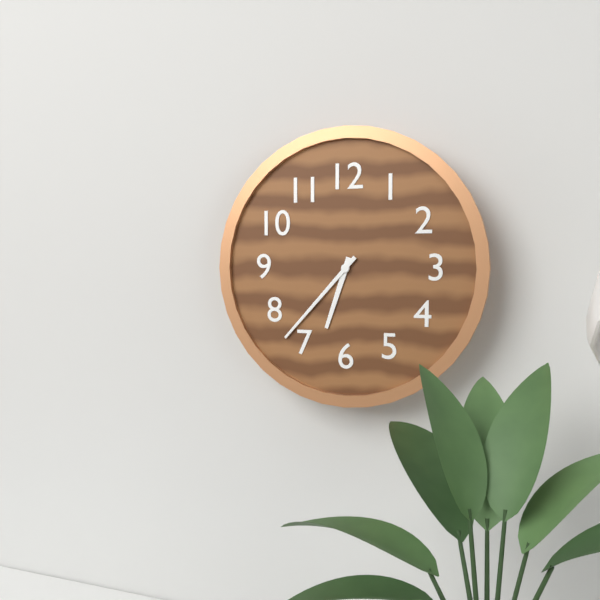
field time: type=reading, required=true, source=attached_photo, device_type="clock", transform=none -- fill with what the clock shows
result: 6:37
